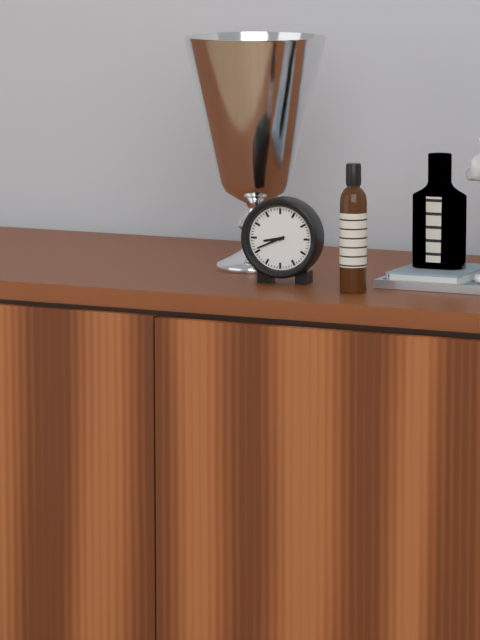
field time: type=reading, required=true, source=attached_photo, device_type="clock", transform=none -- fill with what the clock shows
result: 8:41
